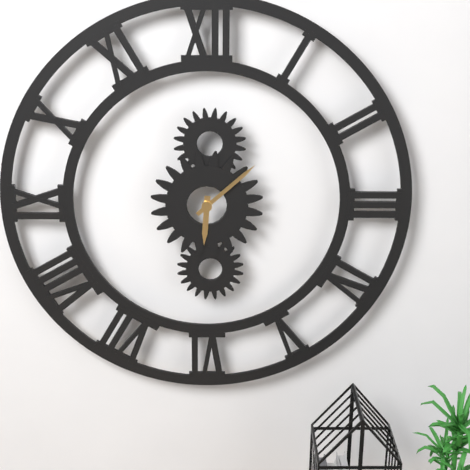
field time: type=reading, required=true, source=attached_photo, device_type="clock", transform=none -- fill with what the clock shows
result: 6:08
